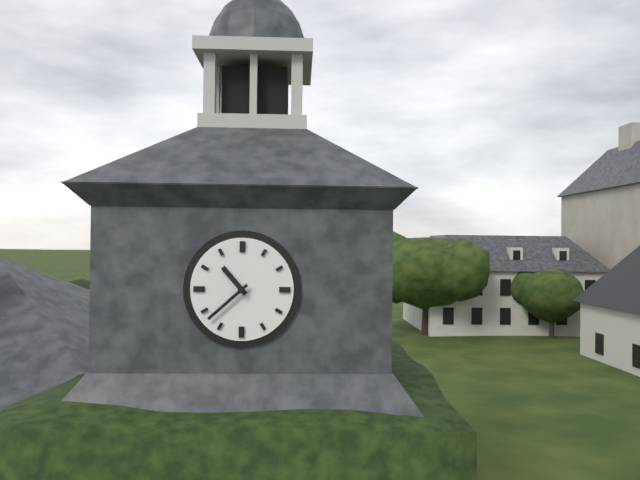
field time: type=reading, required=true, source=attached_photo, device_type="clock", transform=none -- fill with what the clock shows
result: 10:38
